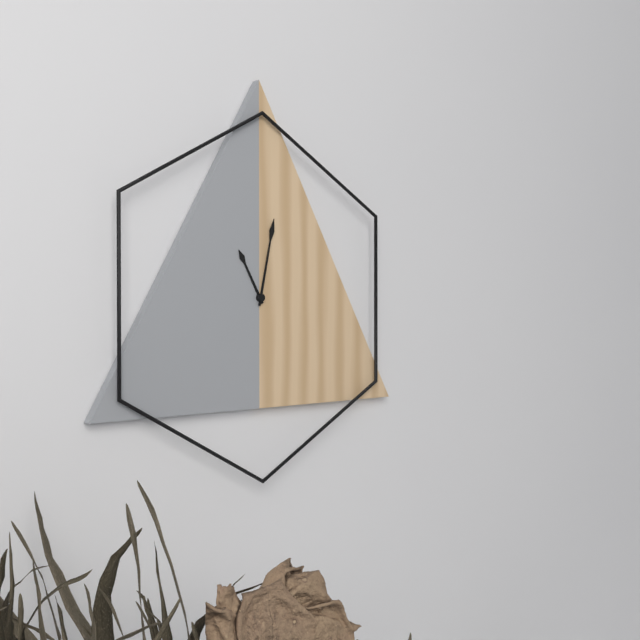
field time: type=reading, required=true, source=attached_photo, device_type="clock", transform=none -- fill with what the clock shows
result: 11:02
